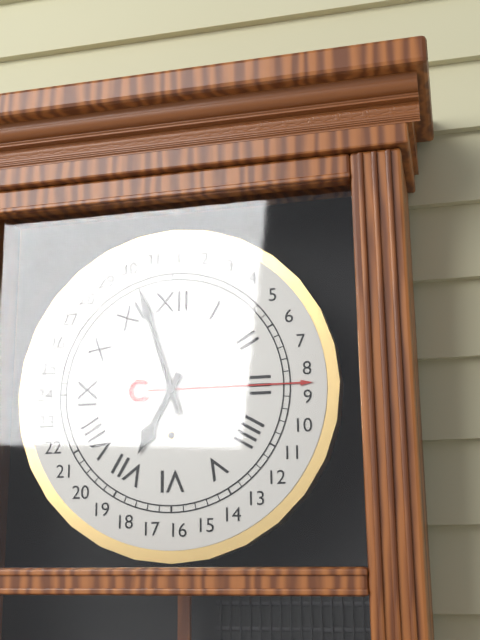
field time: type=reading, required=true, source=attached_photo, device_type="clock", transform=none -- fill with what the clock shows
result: 6:57
